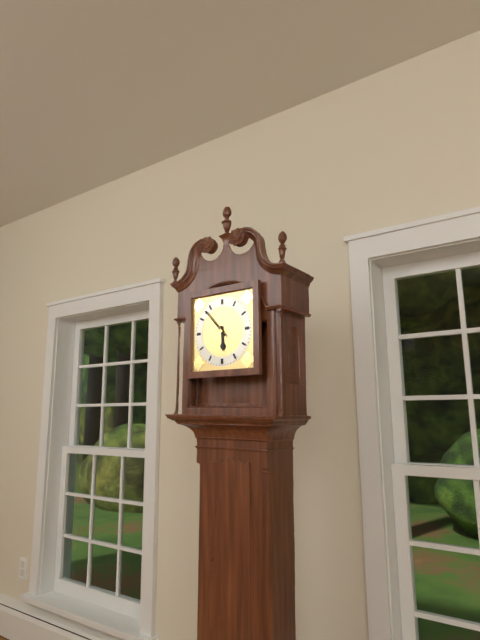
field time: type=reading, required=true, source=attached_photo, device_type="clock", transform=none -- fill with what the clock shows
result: 5:53
